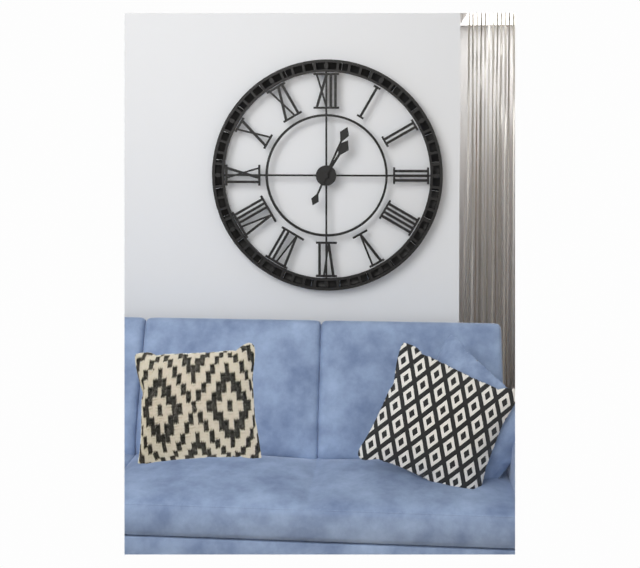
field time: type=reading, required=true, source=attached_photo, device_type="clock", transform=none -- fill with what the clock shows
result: 1:04
